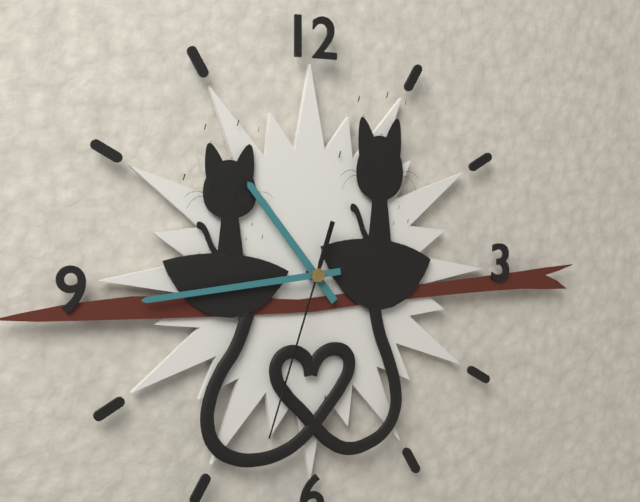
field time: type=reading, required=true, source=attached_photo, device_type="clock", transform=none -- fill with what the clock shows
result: 10:44:33
